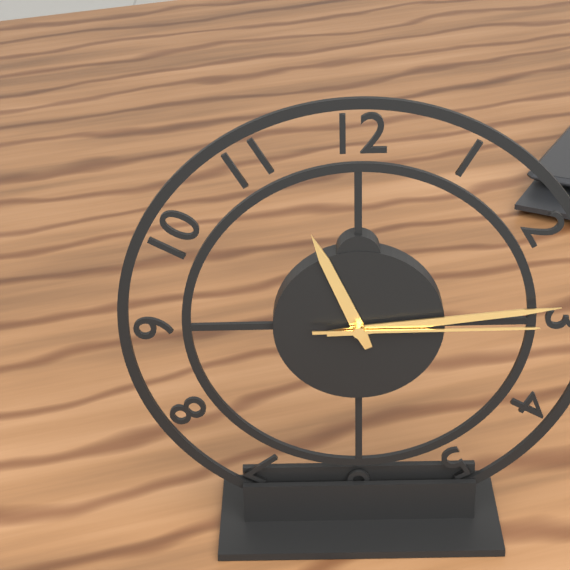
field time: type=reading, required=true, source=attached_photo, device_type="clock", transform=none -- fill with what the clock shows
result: 11:14:15
